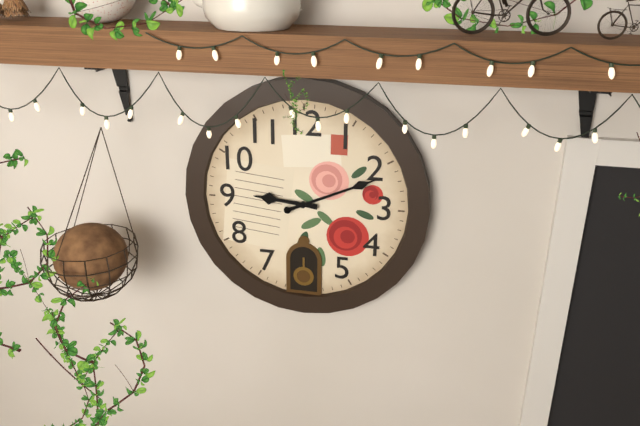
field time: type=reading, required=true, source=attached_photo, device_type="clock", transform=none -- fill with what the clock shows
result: 9:11
